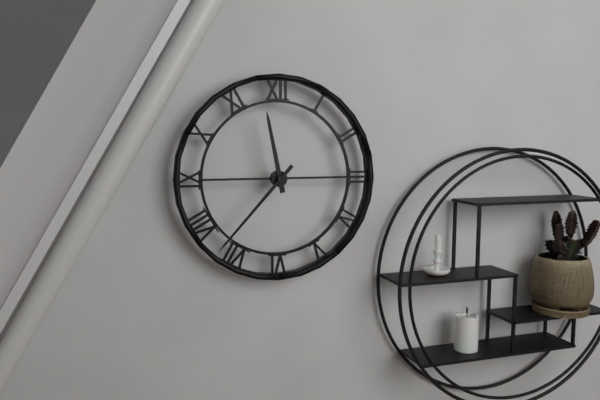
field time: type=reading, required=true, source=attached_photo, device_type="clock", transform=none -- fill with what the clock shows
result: 11:37
